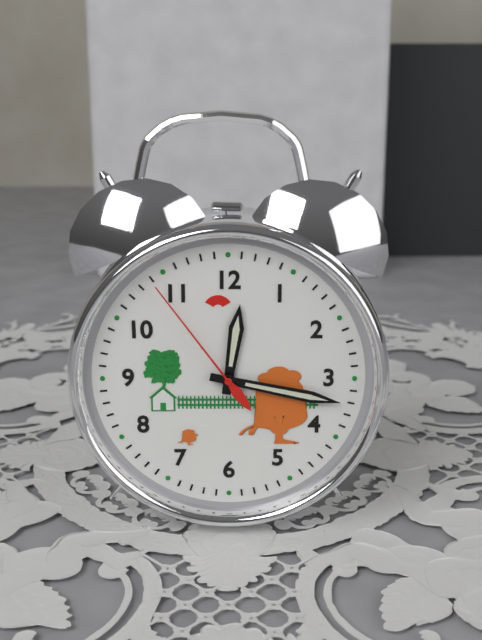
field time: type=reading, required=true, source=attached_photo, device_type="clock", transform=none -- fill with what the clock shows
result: 12:17:54
